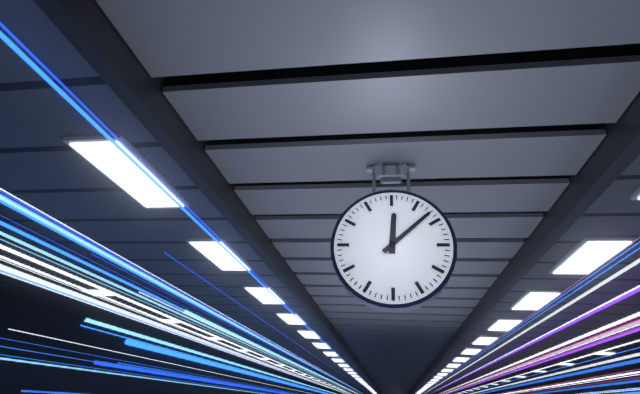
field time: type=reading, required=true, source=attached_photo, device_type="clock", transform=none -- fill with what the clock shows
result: 12:08
